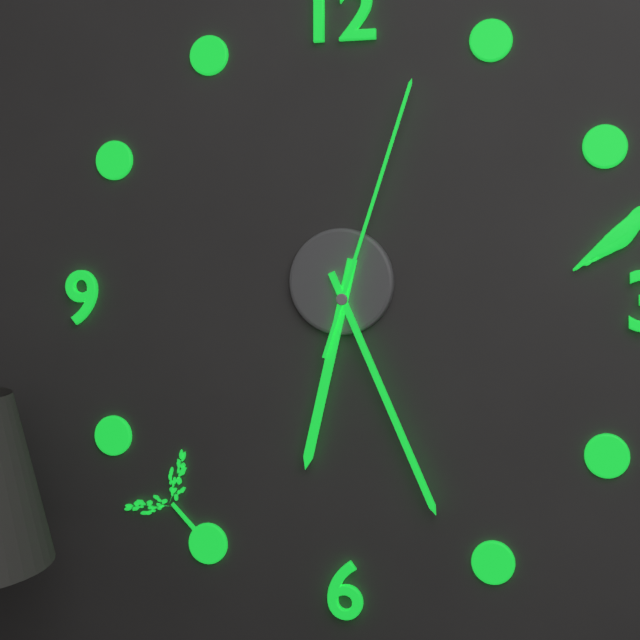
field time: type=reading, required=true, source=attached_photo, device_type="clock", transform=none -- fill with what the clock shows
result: 6:26:03
